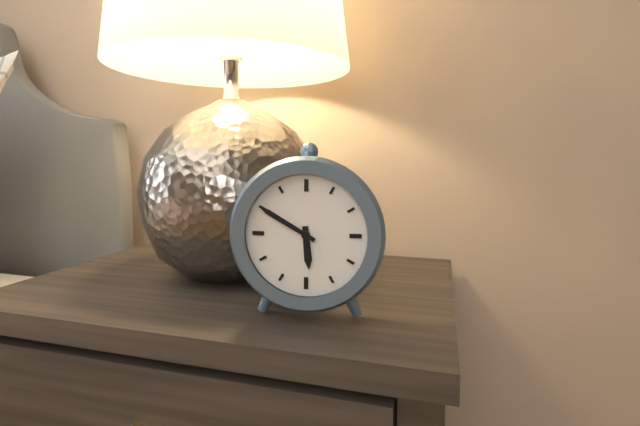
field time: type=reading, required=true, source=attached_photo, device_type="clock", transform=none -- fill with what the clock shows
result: 5:50
